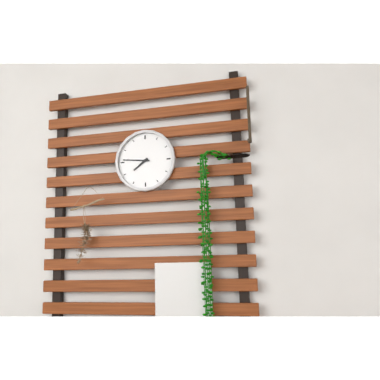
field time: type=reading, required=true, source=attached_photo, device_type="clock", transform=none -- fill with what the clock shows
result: 7:46
